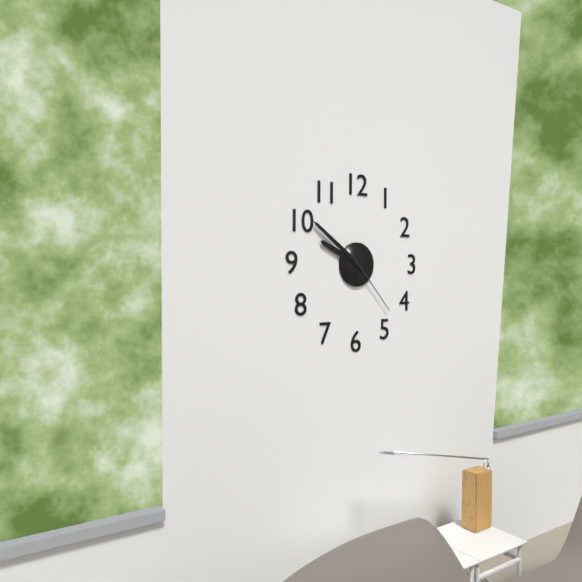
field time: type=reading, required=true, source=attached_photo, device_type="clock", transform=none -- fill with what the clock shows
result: 9:51:23
